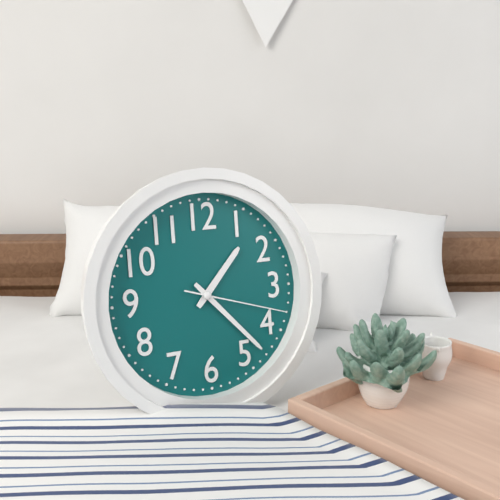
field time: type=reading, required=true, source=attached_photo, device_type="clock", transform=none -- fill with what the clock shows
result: 1:23:18
